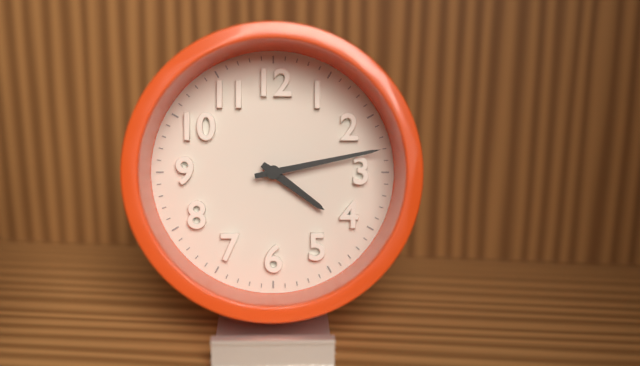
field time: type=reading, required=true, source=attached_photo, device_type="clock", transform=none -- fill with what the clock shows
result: 4:13
